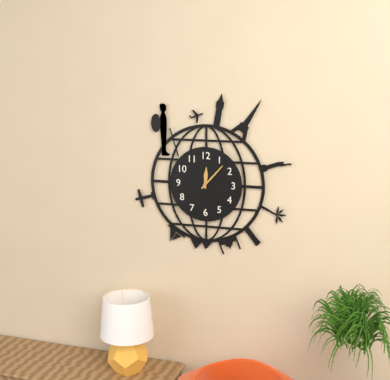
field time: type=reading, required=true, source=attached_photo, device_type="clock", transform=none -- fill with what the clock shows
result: 12:07
